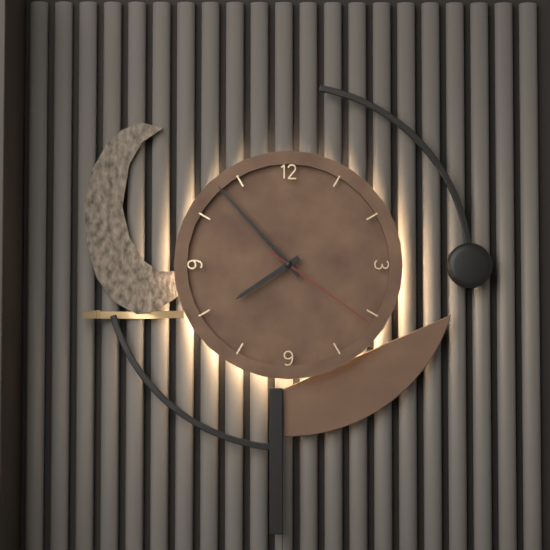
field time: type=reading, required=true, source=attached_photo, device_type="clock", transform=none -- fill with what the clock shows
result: 7:53:21
